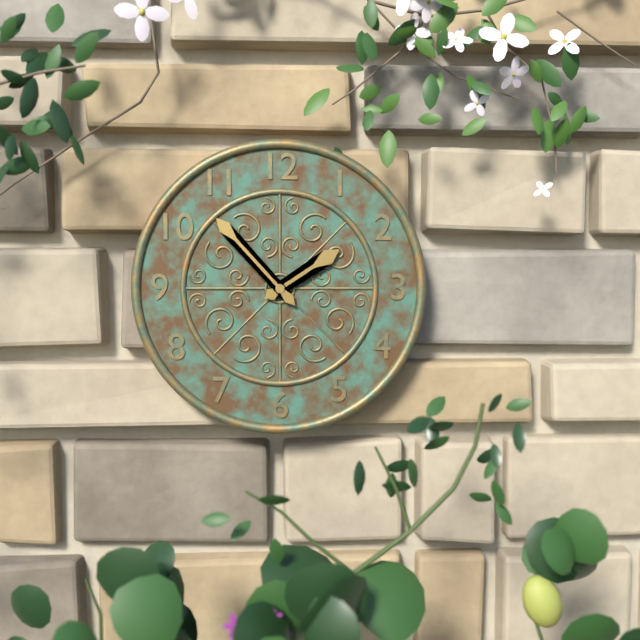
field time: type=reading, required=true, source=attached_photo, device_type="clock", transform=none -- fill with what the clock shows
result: 1:53
